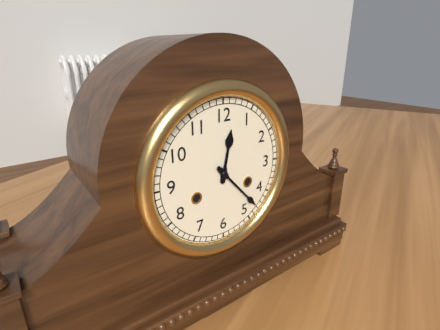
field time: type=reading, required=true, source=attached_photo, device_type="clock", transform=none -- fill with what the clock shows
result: 12:23
